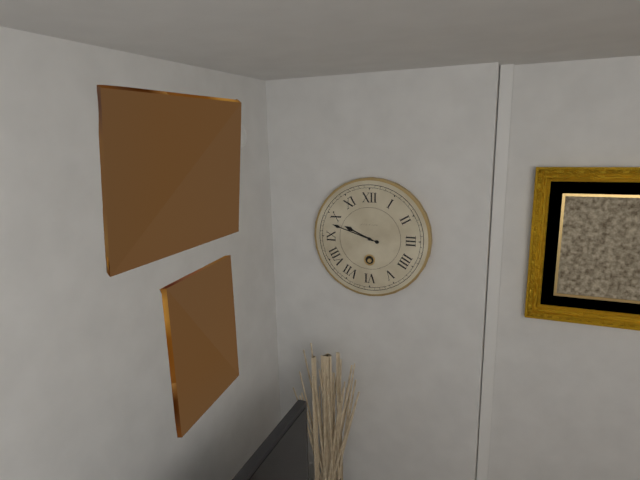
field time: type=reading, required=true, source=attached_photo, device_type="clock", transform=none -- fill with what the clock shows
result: 9:48
